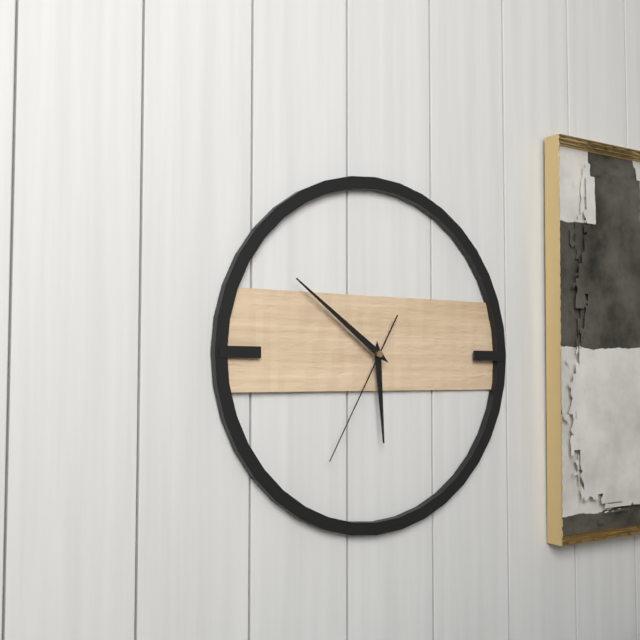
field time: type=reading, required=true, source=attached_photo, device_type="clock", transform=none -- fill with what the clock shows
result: 5:51:35
